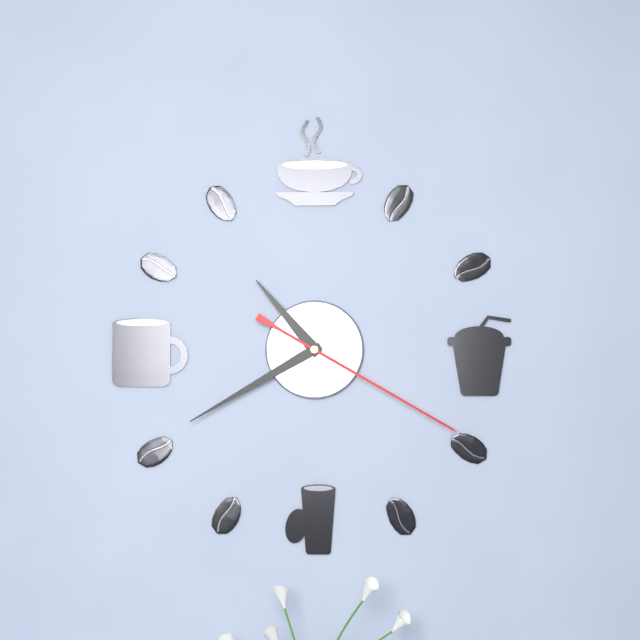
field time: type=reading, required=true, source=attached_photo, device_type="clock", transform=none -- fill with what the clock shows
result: 10:40:20
